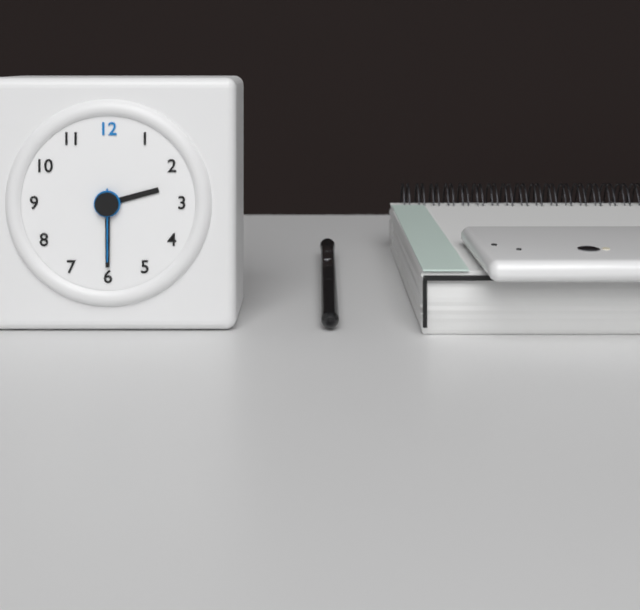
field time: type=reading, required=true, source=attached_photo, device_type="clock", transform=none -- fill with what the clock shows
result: 2:30:30
